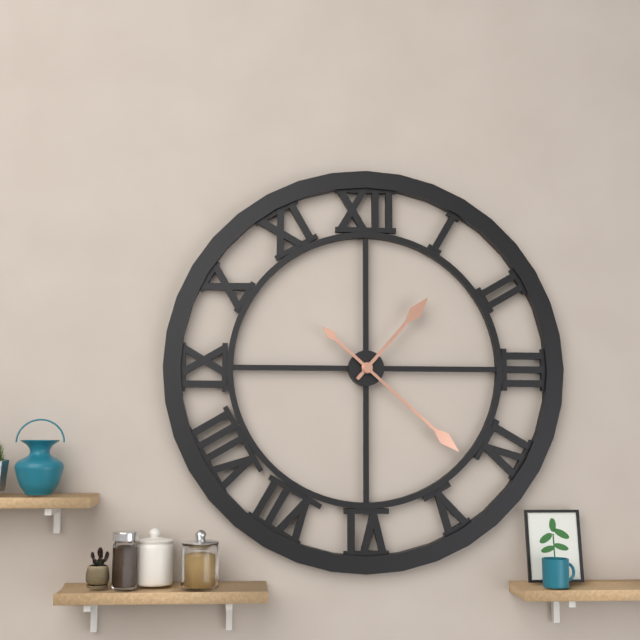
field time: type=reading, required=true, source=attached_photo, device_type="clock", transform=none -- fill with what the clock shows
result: 1:22
